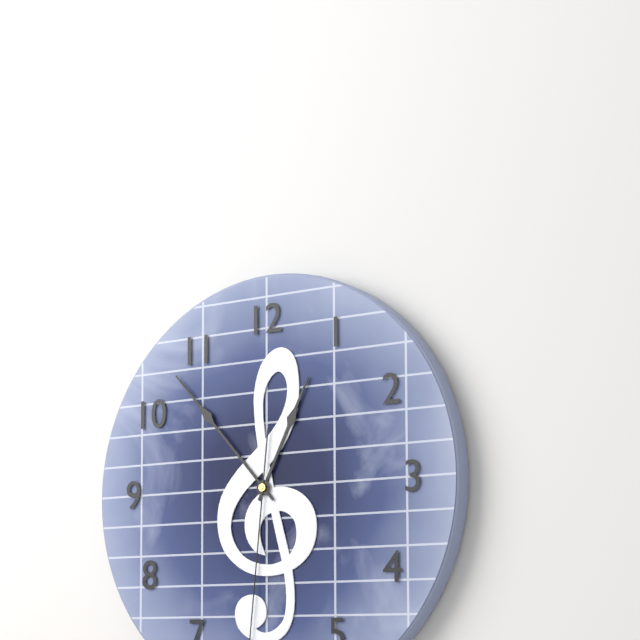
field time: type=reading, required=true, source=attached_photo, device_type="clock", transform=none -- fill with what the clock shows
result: 12:53
